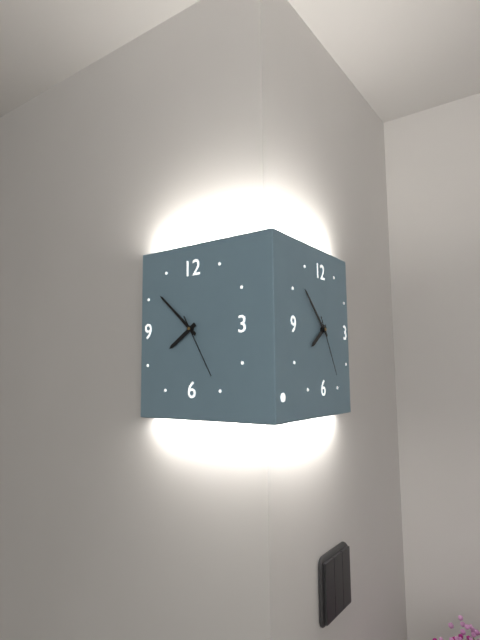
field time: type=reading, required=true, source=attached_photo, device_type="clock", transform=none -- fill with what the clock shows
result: 7:52:25
